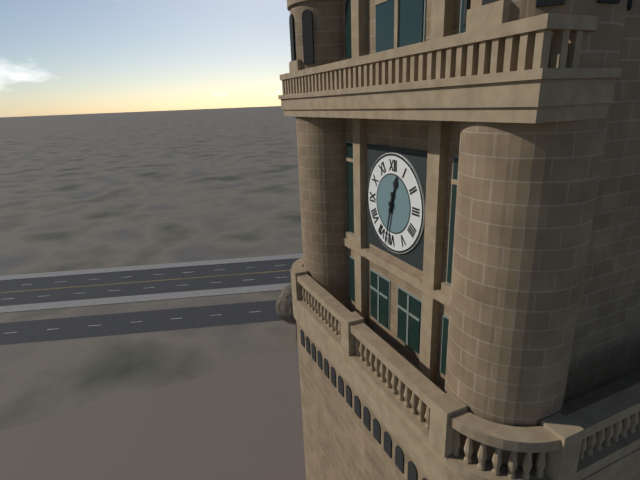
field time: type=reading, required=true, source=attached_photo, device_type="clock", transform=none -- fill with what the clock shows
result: 12:32
